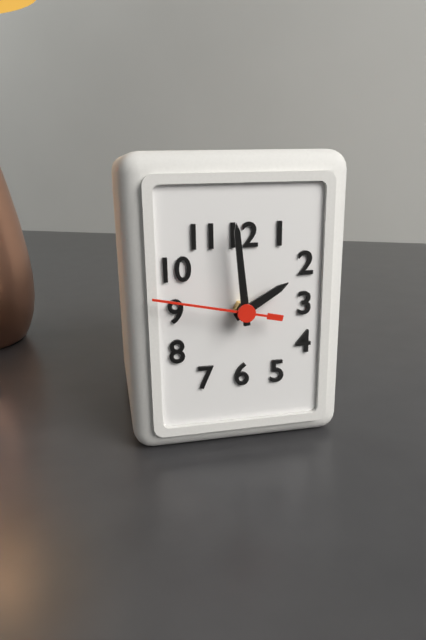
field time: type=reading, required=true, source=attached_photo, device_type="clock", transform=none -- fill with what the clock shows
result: 1:59:47
